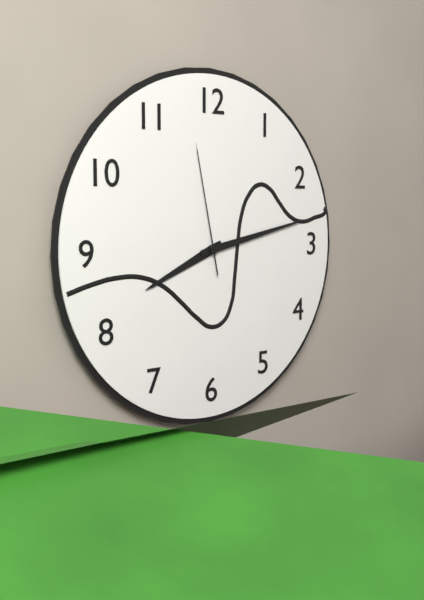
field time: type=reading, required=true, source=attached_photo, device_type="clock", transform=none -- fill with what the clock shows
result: 8:13:58
